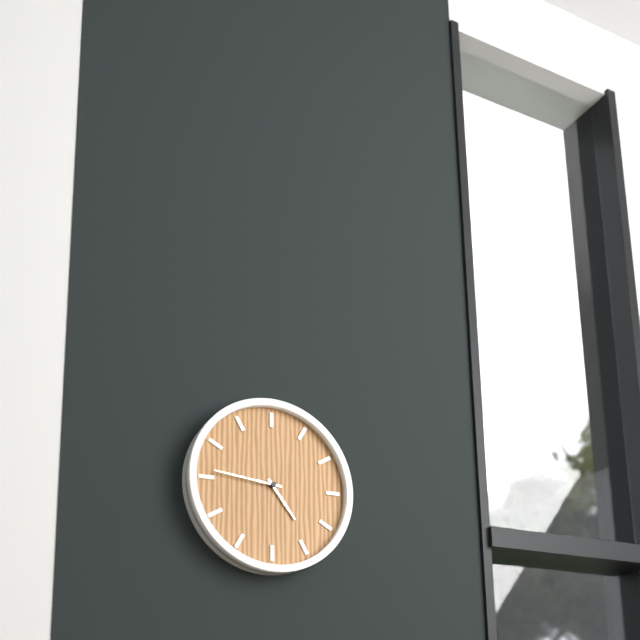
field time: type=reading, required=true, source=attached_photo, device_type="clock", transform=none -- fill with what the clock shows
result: 4:46
